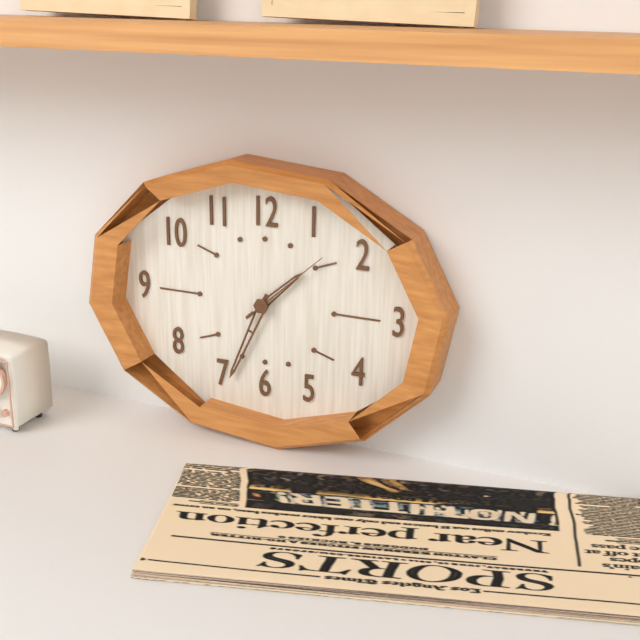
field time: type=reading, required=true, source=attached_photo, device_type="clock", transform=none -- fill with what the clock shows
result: 1:34:08
